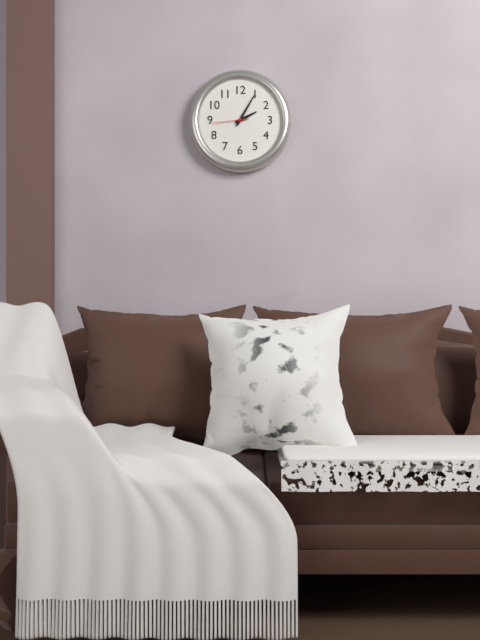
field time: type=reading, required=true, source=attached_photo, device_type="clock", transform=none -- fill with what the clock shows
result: 2:05
